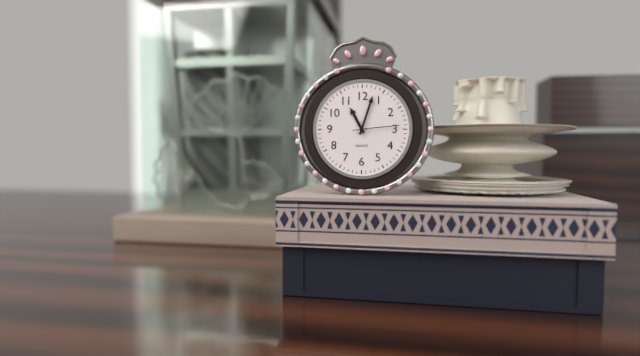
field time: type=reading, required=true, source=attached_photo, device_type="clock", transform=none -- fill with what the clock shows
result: 11:03
